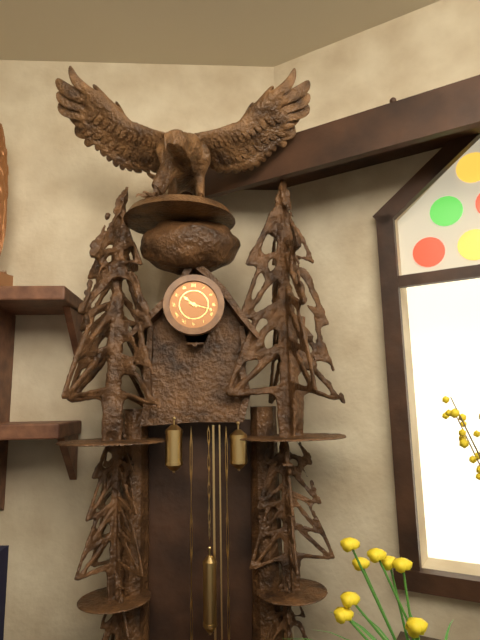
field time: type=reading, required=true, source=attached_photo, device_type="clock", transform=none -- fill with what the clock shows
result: 10:18
